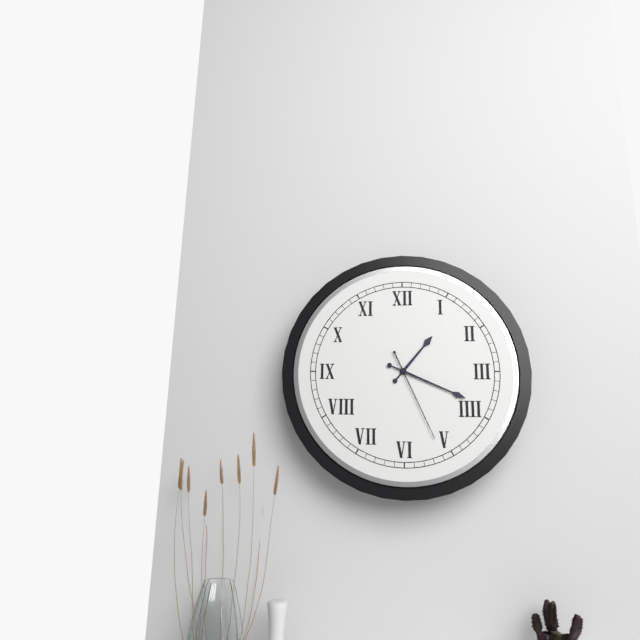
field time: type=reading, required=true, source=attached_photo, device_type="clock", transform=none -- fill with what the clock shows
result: 1:19:26
